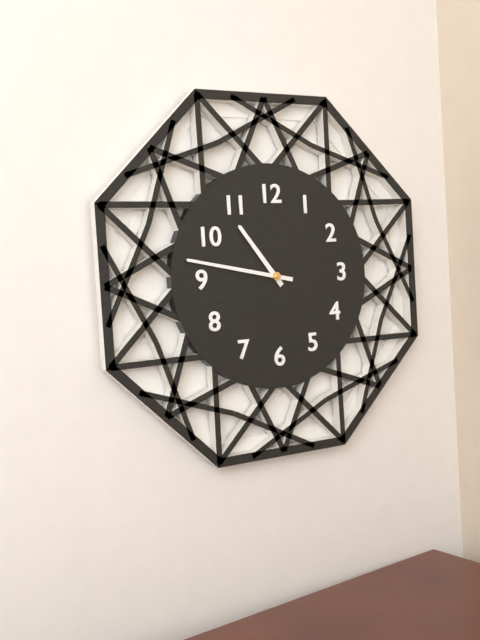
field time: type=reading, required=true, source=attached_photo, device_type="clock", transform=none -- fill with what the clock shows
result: 10:47
